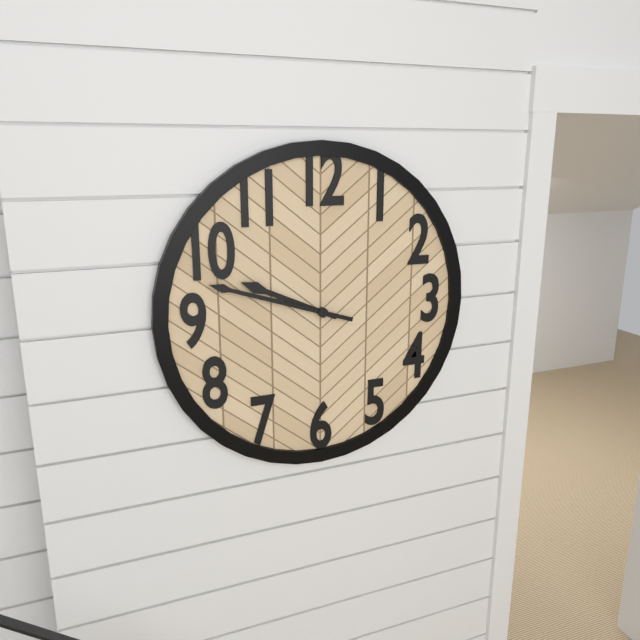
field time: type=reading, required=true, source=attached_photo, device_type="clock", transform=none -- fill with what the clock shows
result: 9:48
